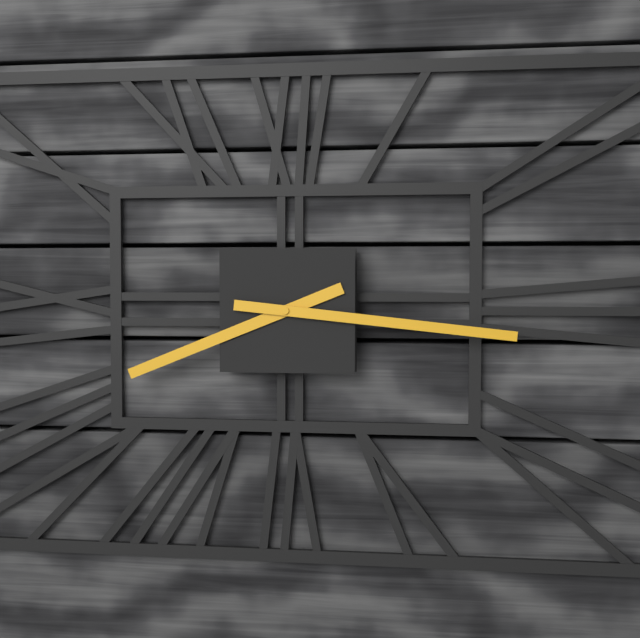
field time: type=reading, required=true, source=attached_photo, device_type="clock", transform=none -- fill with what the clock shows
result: 8:16
